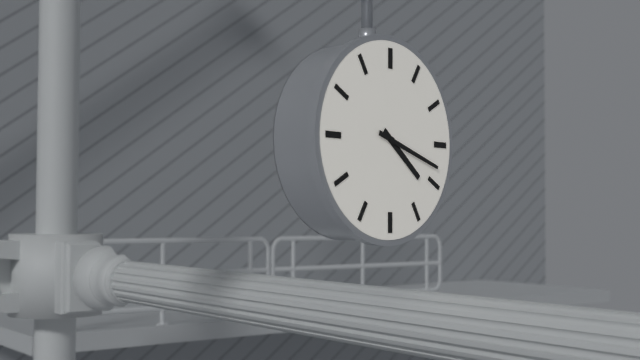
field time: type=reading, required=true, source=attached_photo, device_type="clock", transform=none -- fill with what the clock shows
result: 4:18
